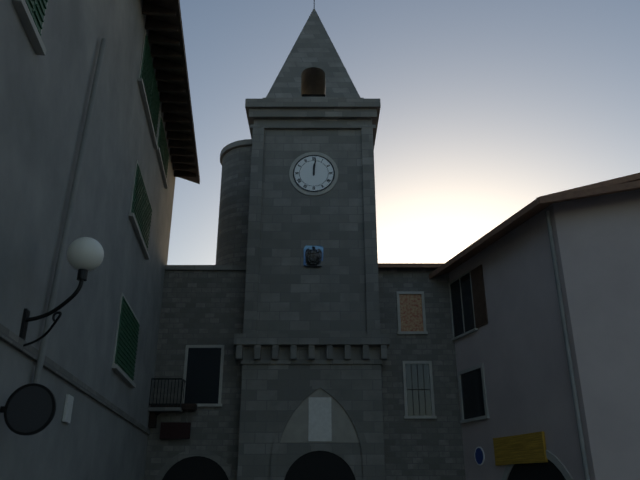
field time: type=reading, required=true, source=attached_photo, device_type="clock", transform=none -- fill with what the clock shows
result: 12:01
